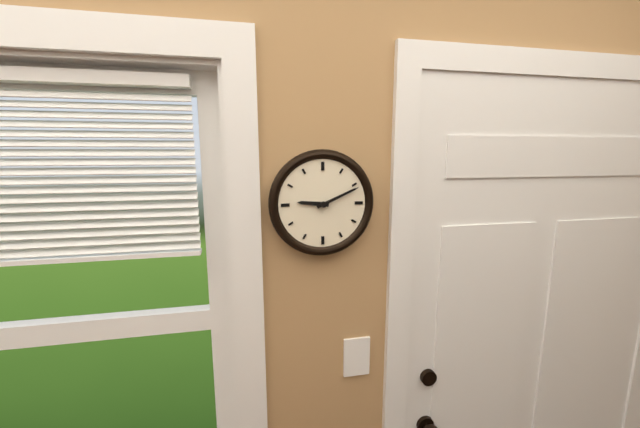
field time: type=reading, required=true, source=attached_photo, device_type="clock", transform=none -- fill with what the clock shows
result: 9:11
